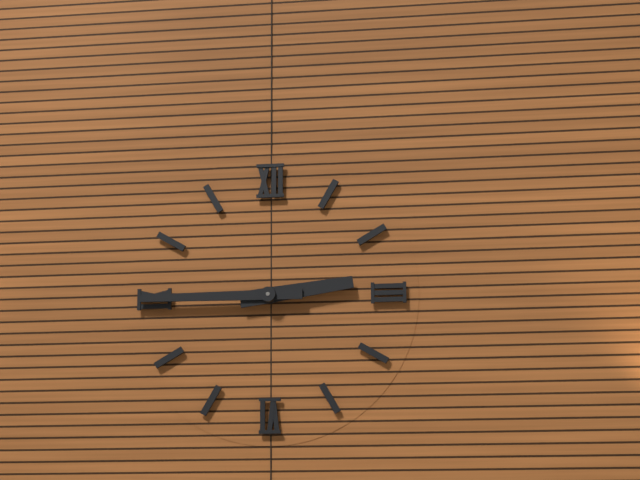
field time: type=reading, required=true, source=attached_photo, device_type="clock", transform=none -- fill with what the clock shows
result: 2:45
